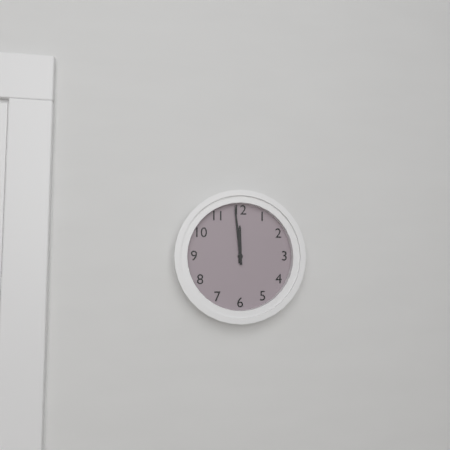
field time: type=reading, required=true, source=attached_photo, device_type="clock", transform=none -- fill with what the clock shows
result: 11:59
